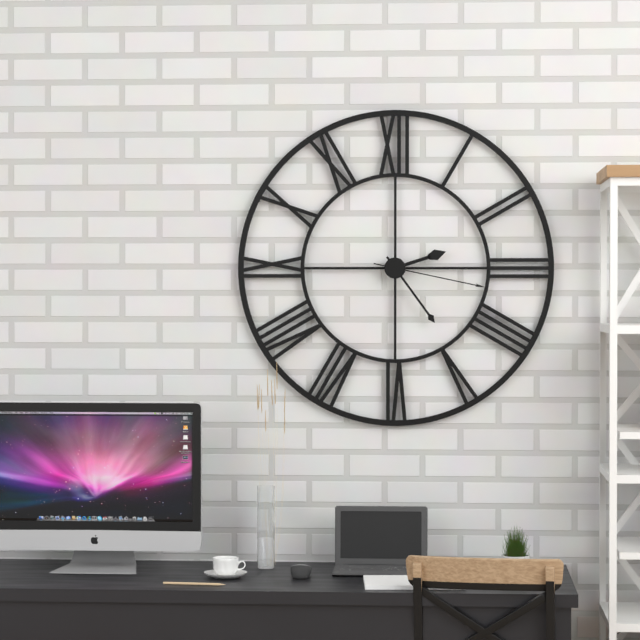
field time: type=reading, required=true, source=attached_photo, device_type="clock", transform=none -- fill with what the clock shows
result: 2:24:17
